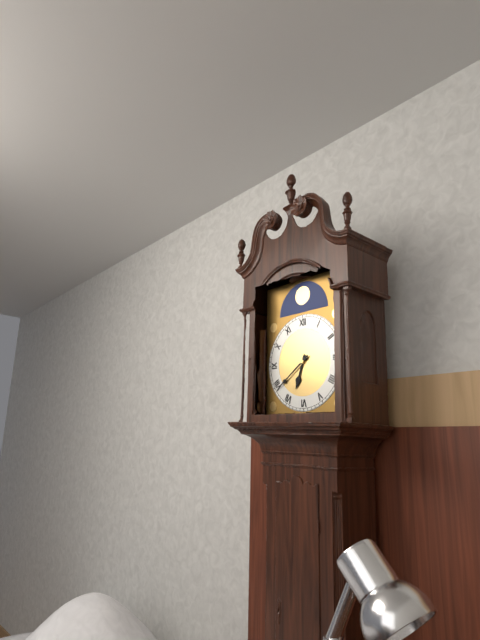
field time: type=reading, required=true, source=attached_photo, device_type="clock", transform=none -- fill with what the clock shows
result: 6:39
